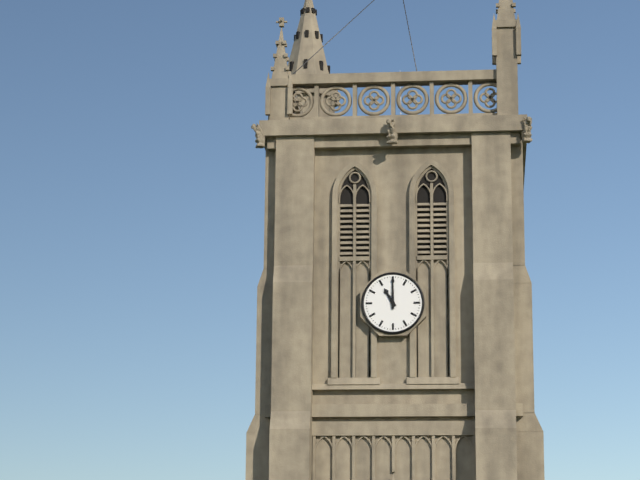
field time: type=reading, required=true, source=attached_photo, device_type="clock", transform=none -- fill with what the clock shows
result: 11:00
